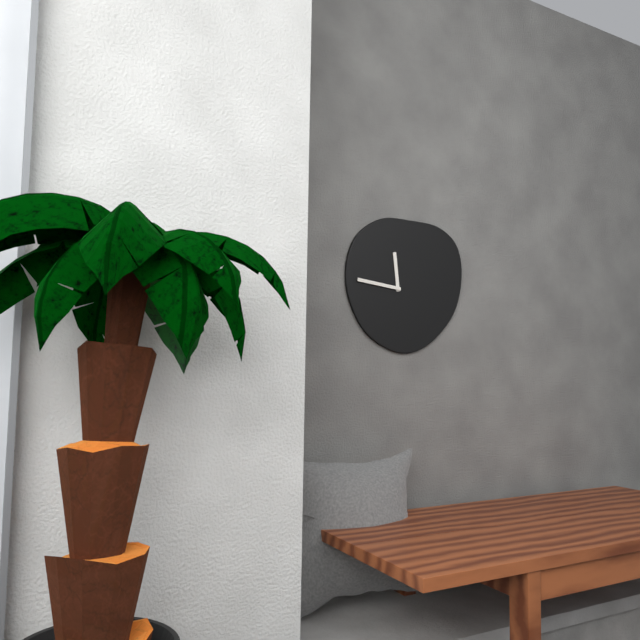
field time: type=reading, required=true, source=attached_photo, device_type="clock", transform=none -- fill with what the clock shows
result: 11:46
